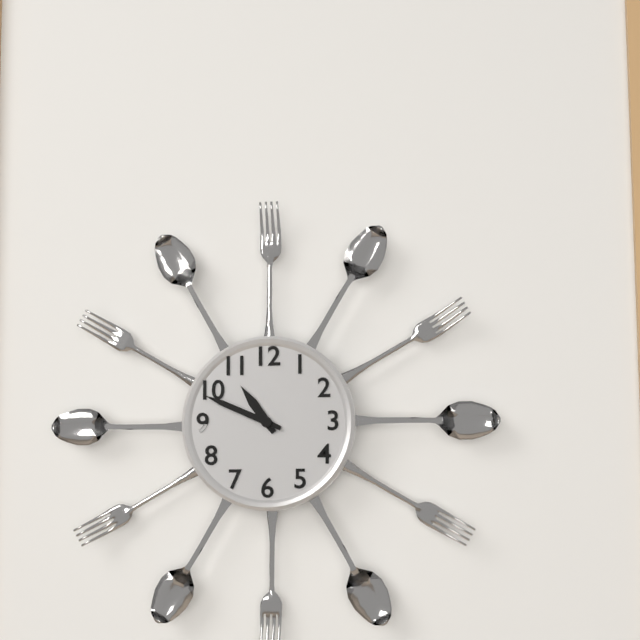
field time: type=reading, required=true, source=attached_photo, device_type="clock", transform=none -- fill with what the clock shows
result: 10:49
